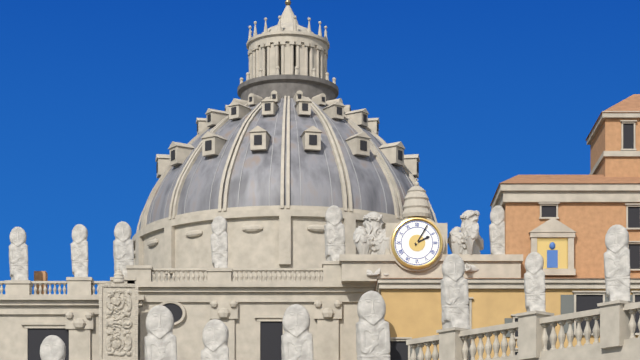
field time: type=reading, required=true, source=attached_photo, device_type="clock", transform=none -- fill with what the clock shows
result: 2:05
